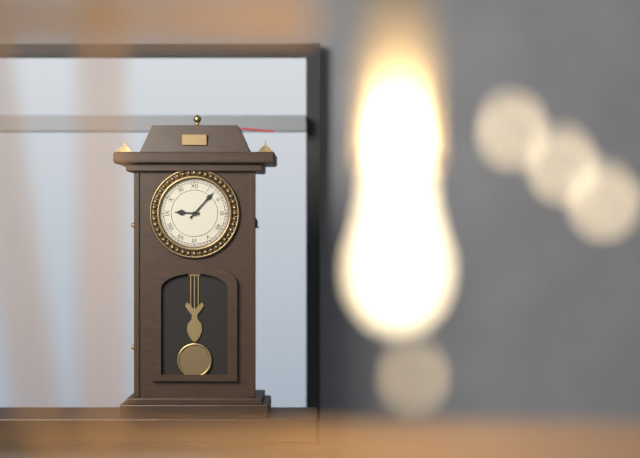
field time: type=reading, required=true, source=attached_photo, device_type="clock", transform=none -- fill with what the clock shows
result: 9:07
